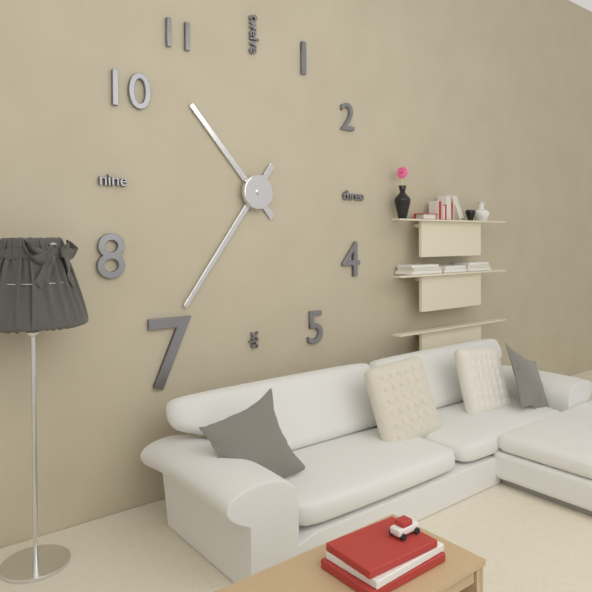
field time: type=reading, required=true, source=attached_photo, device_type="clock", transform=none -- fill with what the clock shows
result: 10:36
